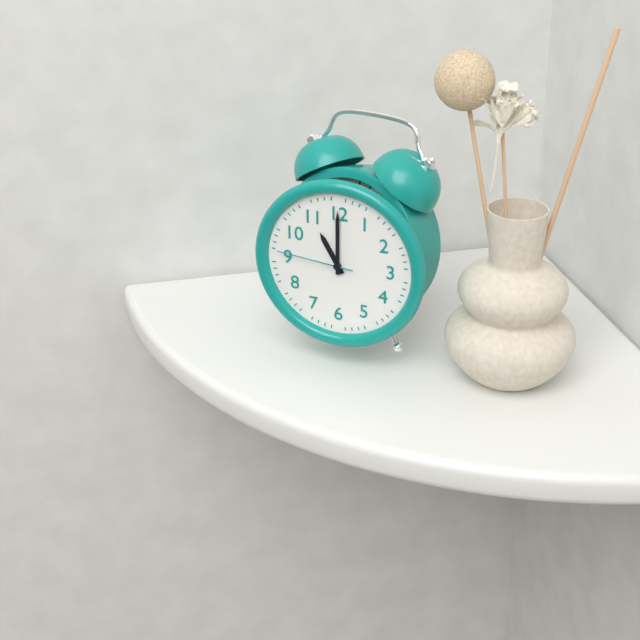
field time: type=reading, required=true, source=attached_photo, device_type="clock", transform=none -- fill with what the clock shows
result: 11:00:46
